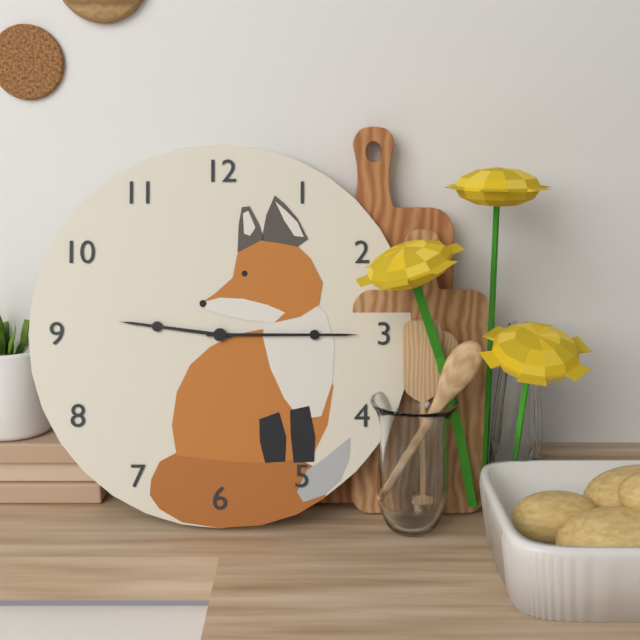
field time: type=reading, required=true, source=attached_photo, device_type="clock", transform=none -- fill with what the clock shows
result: 9:15
